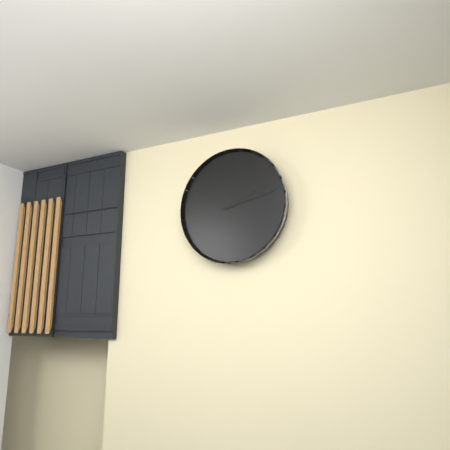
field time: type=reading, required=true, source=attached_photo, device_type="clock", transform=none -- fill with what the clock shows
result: 2:13
